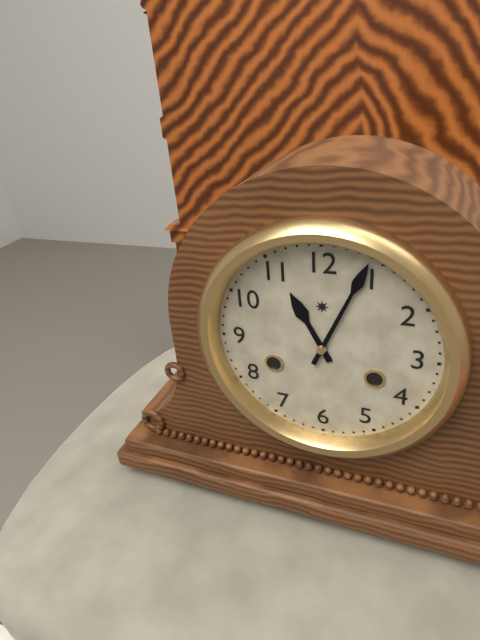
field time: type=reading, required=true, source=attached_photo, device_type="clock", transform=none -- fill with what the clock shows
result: 11:04
